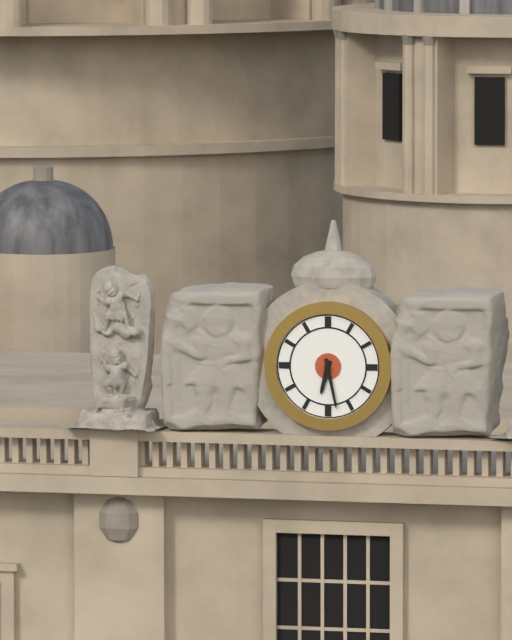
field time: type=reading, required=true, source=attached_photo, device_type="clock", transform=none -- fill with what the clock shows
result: 6:28
